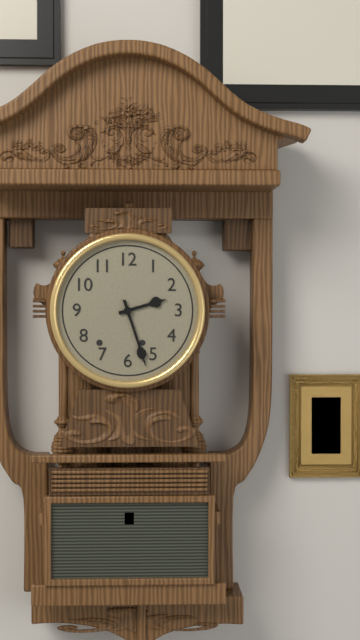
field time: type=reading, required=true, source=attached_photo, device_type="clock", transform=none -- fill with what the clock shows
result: 2:27
